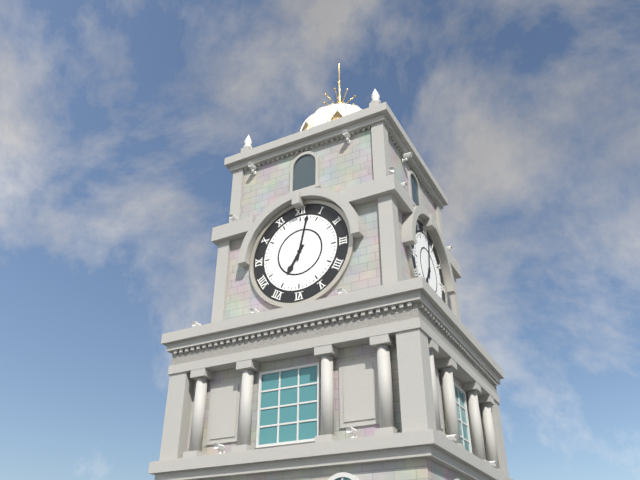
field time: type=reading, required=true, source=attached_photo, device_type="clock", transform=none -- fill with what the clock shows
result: 7:02
